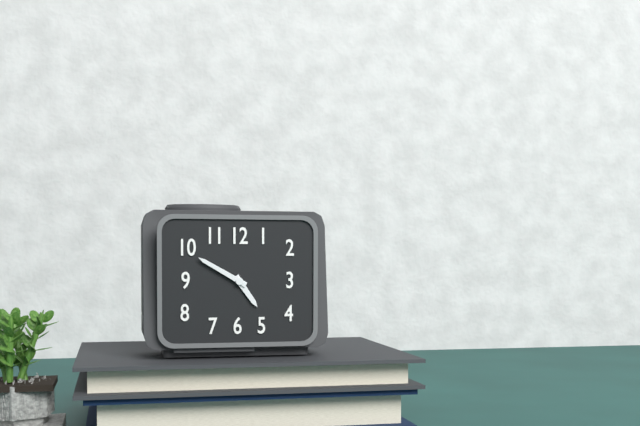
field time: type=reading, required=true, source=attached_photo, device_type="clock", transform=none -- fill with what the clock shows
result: 4:50
